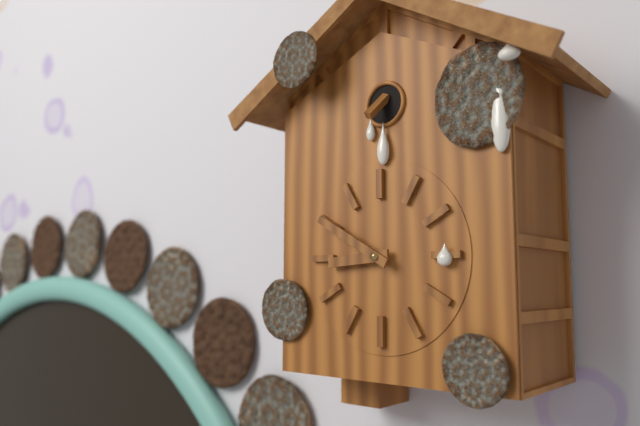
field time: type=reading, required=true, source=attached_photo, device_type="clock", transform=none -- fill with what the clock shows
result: 8:50
